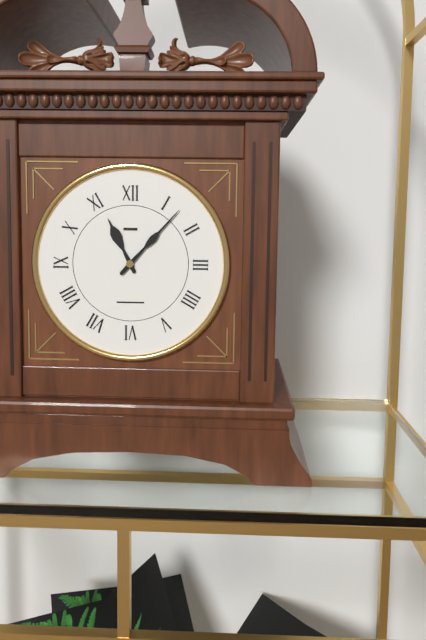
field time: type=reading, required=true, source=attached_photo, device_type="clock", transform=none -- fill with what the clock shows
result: 11:07
